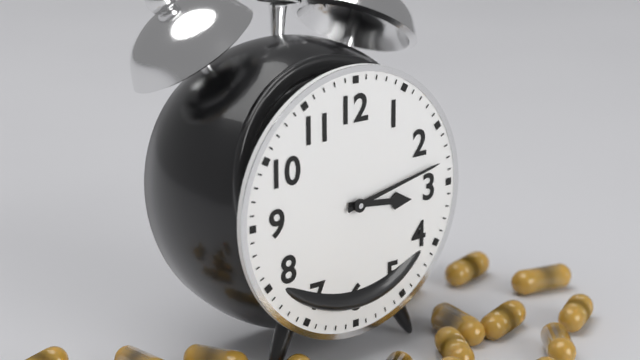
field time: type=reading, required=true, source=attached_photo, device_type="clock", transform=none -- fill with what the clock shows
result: 3:13
